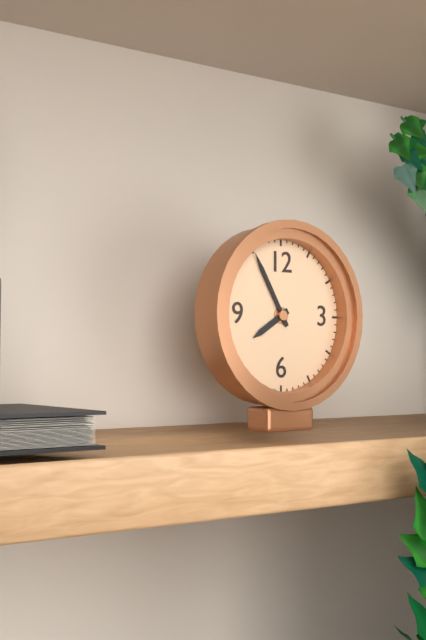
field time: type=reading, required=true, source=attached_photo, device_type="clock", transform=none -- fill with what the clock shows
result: 7:55
